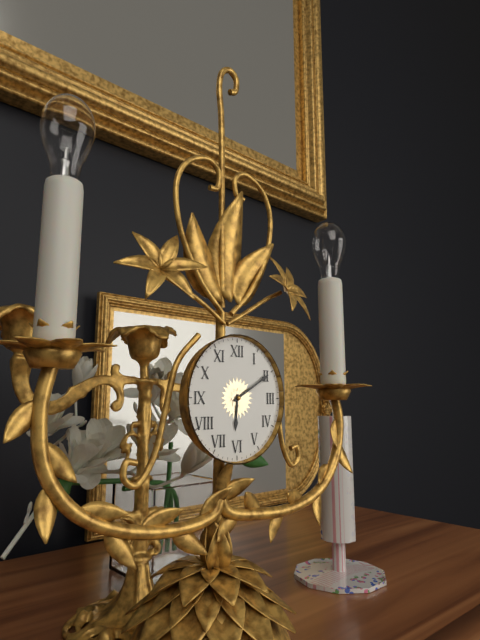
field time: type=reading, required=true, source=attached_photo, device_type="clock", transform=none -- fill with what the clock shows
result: 6:10
